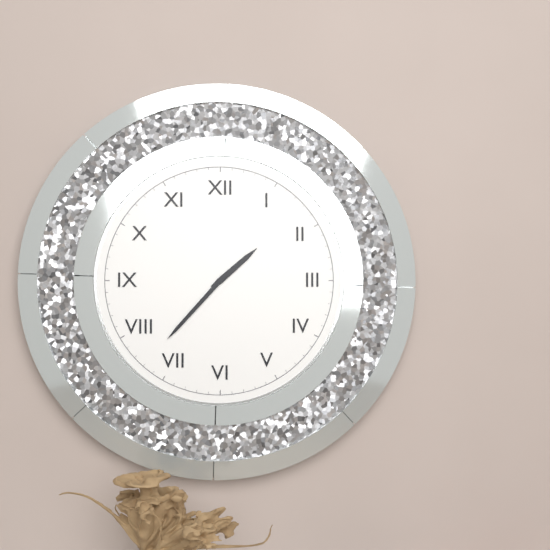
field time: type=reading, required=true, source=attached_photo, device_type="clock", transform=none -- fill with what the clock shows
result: 1:37
